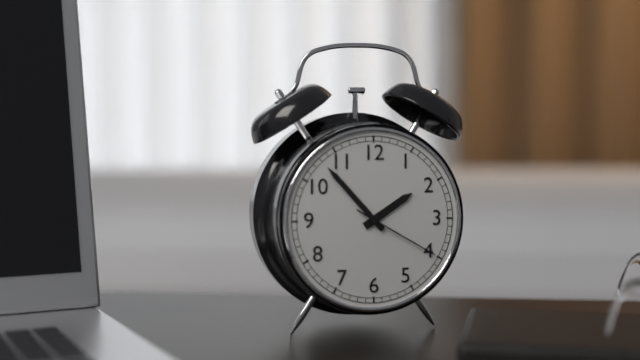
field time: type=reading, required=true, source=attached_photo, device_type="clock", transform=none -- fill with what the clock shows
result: 1:53:20
